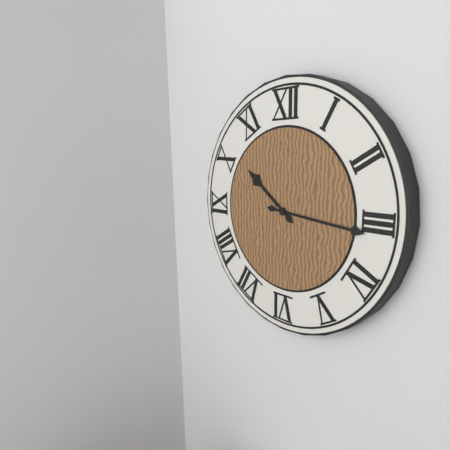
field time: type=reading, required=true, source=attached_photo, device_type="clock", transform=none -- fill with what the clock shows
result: 10:16
